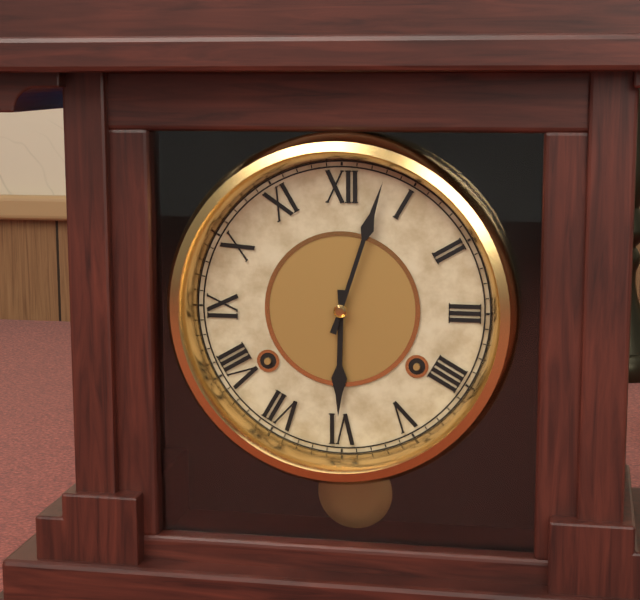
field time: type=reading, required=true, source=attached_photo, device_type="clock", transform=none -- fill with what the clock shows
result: 6:03
